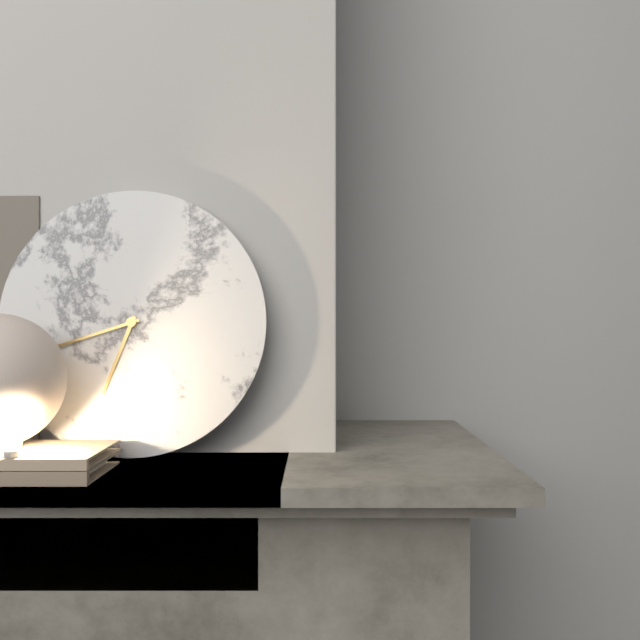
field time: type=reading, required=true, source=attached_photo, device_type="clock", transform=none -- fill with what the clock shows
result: 6:42
